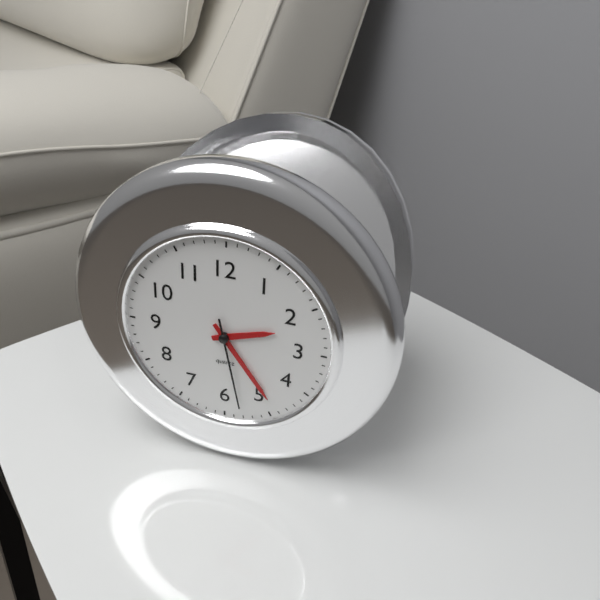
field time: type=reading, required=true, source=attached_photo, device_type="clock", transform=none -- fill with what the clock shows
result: 2:24:28
